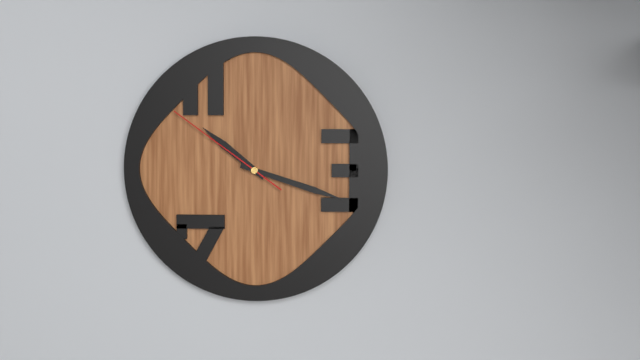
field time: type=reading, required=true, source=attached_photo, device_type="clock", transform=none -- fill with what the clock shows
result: 10:18:51
